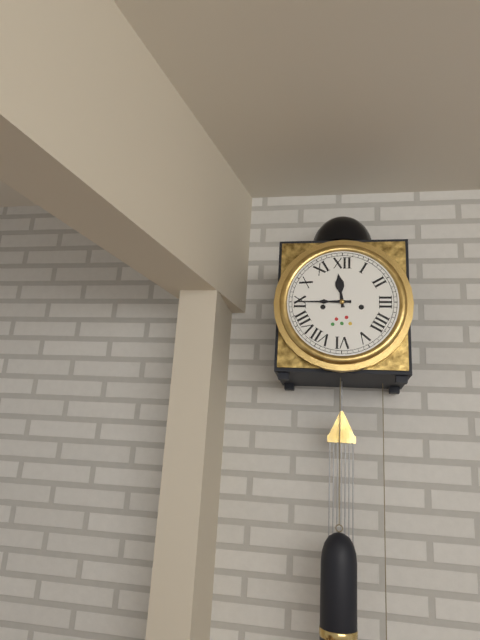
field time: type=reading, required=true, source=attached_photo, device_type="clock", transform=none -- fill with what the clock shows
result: 11:45
